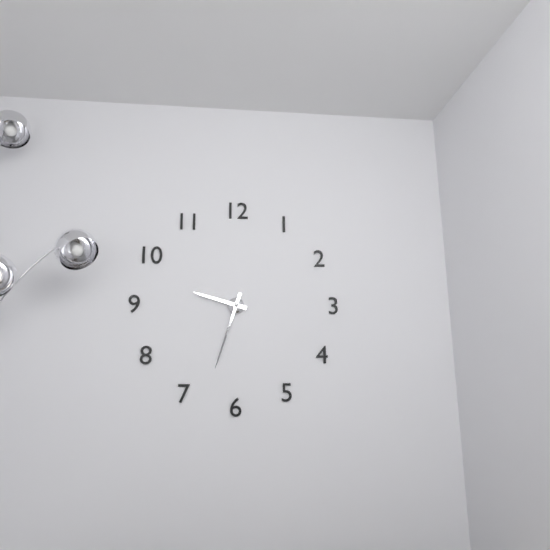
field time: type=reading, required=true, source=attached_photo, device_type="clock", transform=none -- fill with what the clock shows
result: 9:33
